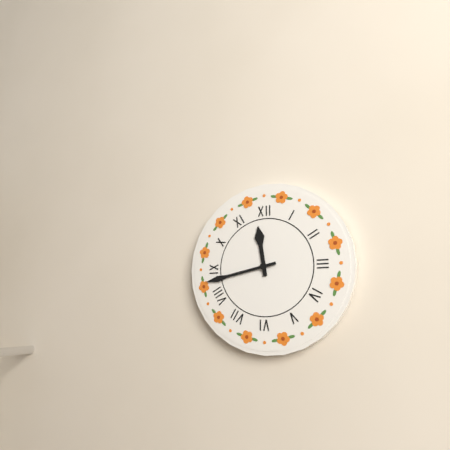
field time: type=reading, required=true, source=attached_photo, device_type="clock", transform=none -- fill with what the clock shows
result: 11:43
